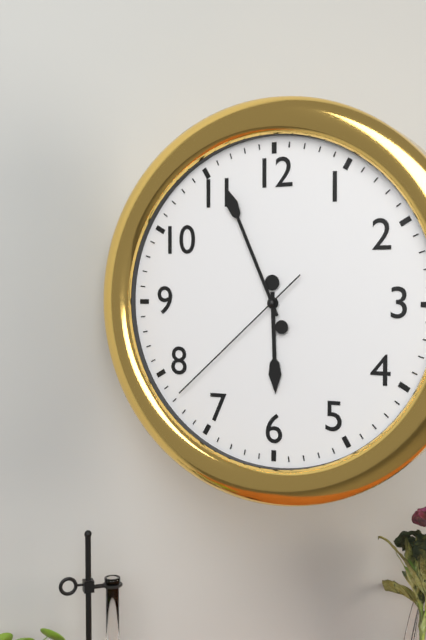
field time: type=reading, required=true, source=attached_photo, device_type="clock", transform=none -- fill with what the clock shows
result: 5:56:38
